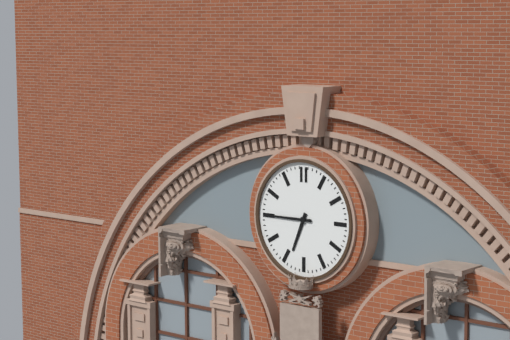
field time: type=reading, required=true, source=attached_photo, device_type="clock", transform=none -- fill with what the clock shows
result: 6:45
